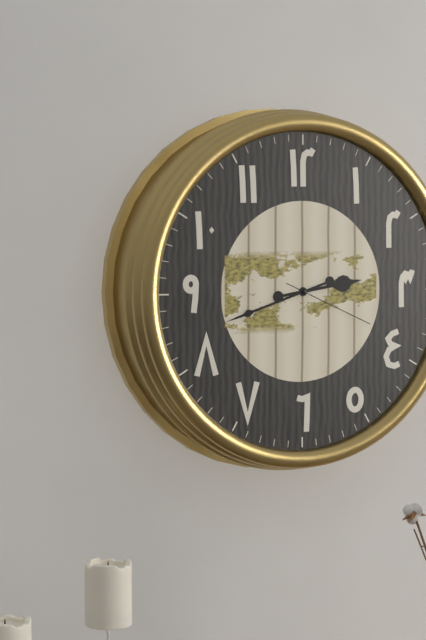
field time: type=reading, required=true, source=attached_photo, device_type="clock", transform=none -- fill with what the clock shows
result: 2:42:19
